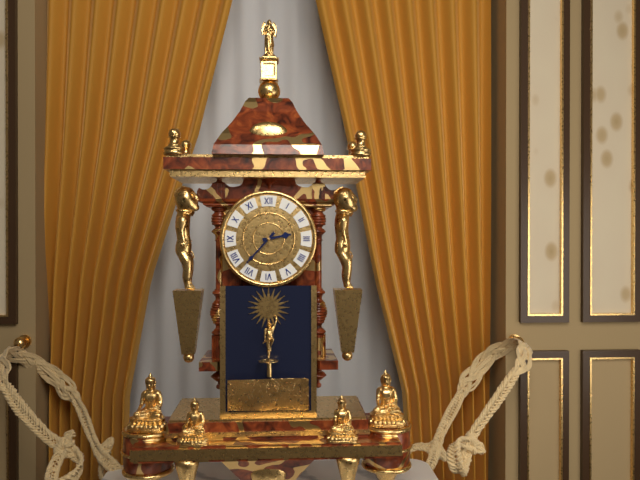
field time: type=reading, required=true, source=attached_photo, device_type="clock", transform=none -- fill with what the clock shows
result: 2:37
